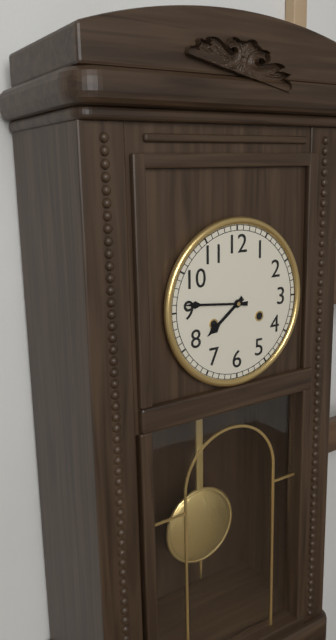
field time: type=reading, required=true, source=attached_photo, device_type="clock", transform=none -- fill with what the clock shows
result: 7:46
